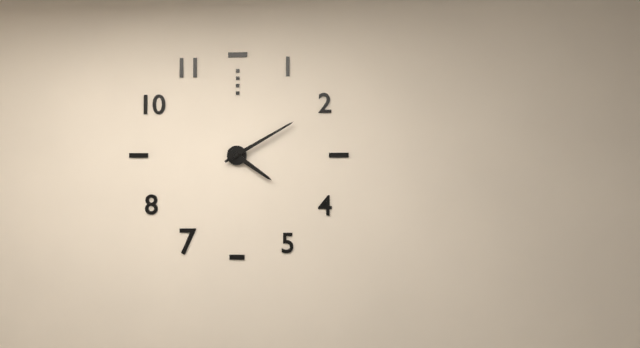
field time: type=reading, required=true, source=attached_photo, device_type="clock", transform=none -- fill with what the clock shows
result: 4:10
